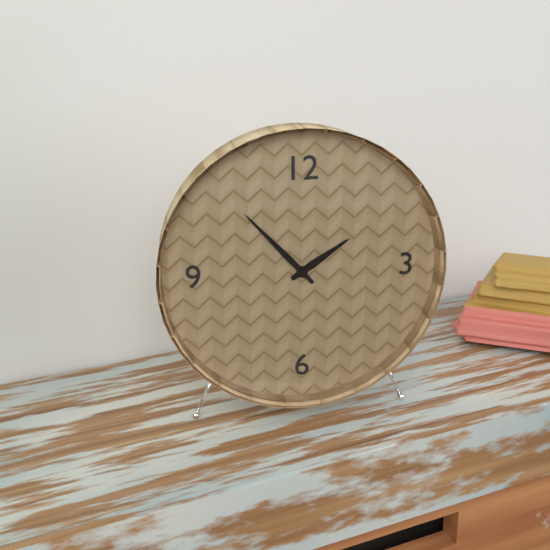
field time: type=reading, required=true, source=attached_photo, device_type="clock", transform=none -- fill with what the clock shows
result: 1:53
